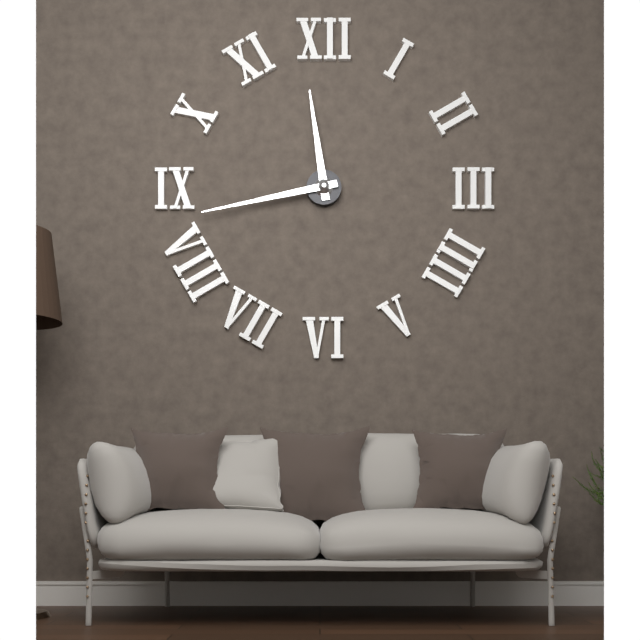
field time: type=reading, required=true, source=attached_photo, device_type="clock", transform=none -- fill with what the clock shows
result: 11:43
